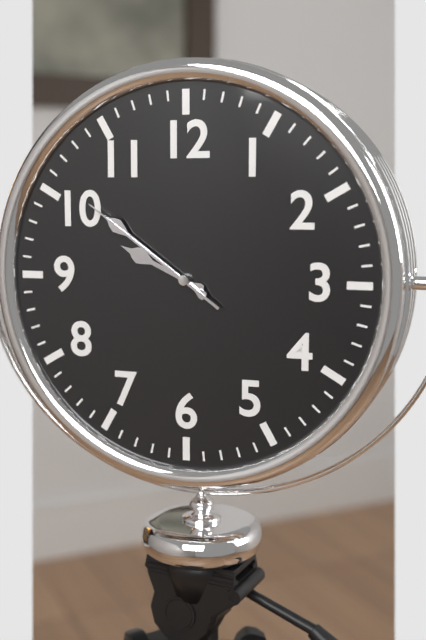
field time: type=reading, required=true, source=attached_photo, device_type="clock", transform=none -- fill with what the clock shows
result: 9:51:51
